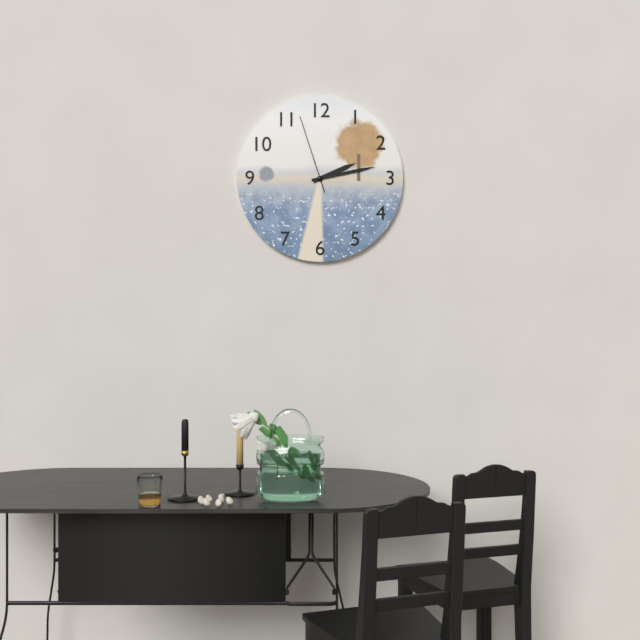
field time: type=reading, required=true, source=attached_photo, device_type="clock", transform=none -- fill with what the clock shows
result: 2:13:57
